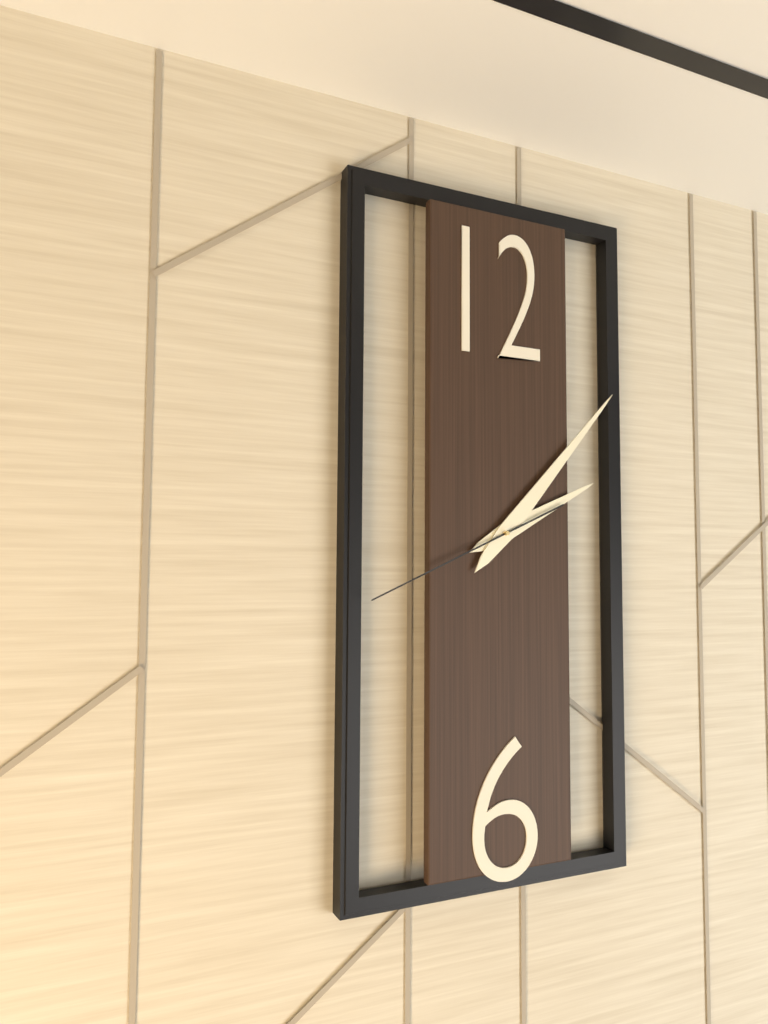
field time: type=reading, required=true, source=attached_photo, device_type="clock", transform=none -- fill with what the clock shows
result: 2:07:41
